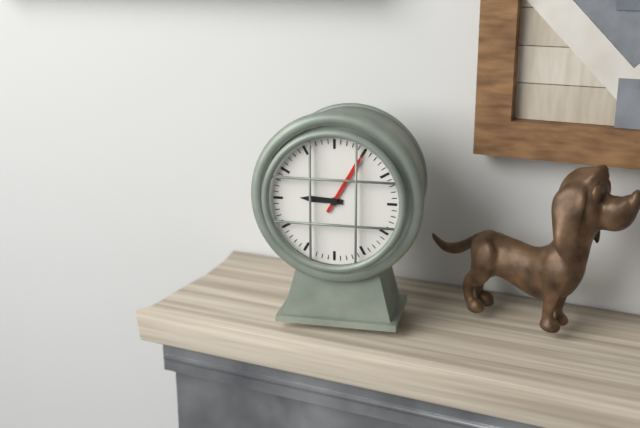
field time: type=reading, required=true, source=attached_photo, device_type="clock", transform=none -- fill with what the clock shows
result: 9:05
